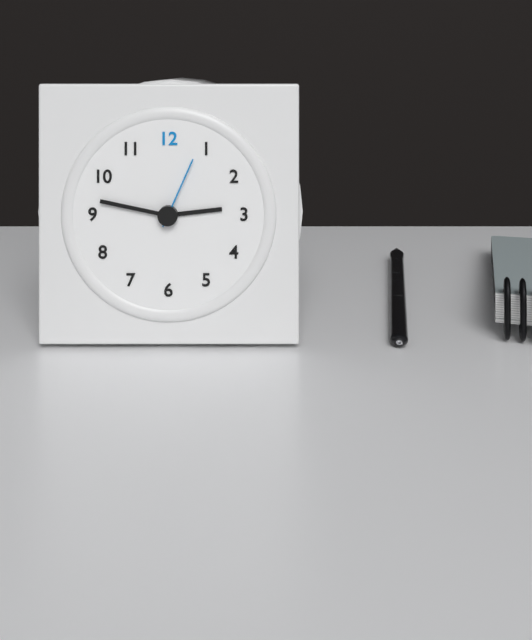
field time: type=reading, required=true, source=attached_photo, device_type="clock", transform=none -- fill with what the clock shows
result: 2:47:04
